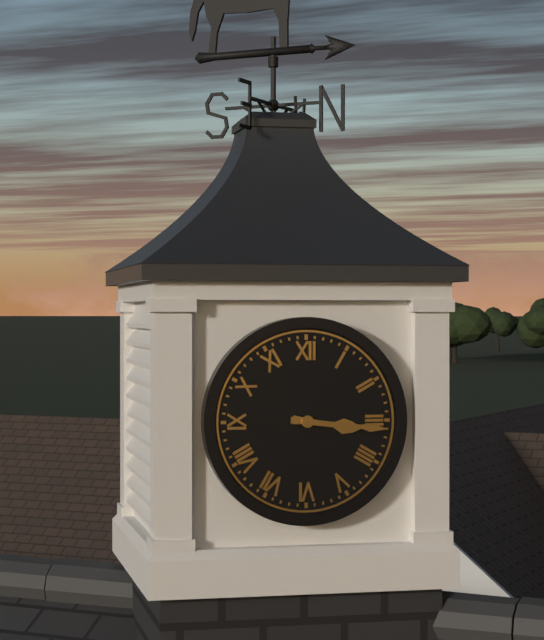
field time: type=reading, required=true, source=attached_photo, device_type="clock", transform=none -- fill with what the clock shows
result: 3:16
